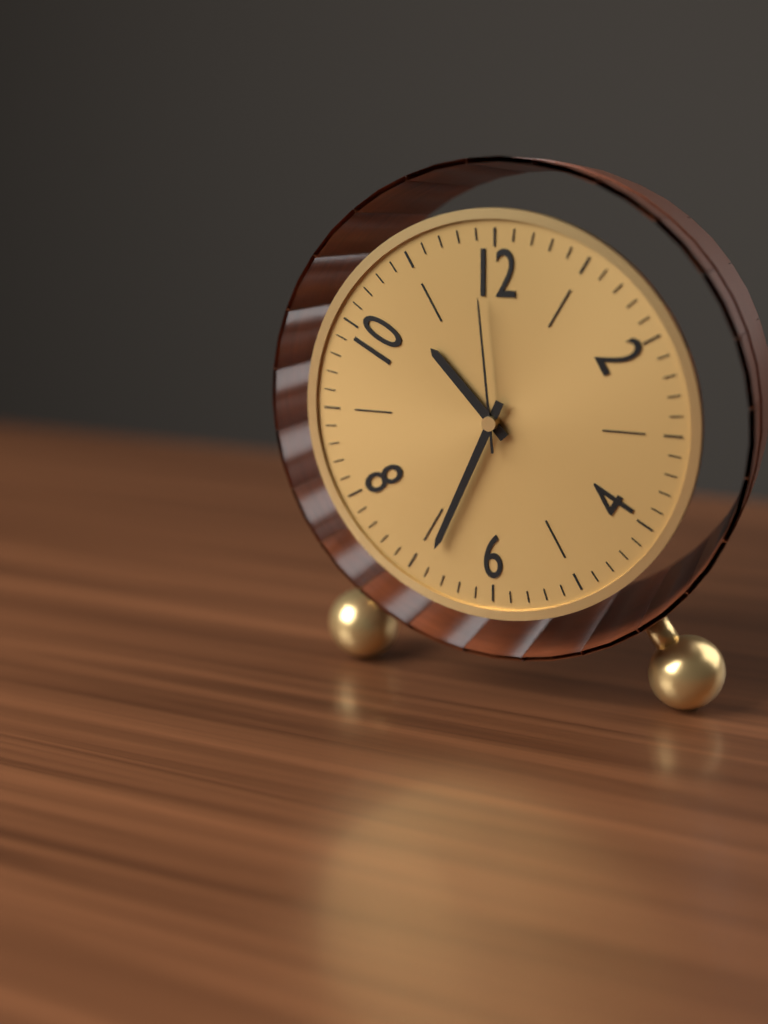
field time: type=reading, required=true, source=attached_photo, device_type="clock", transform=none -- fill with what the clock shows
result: 10:34:59
